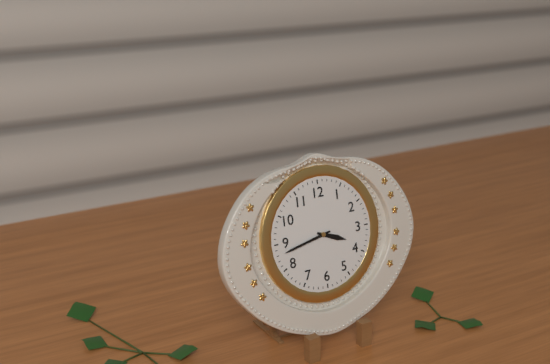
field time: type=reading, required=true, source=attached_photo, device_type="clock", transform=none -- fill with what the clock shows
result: 3:43
